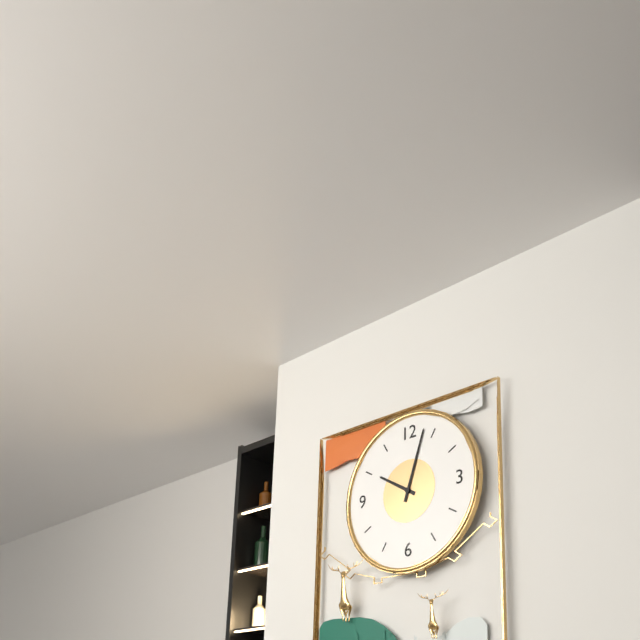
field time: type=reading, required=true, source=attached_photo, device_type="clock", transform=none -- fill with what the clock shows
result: 10:03
